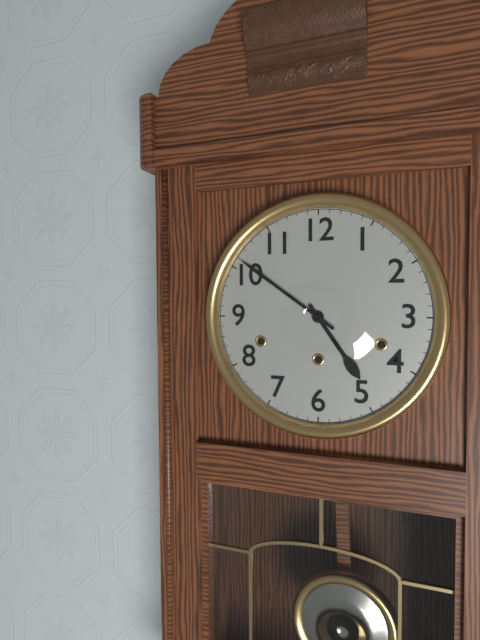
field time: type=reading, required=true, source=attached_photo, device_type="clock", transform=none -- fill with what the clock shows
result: 4:51
